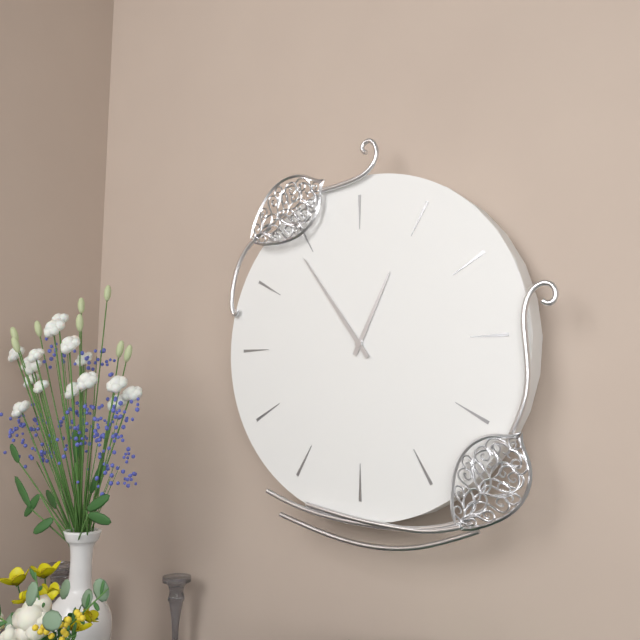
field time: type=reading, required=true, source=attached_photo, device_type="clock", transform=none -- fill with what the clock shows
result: 12:54
